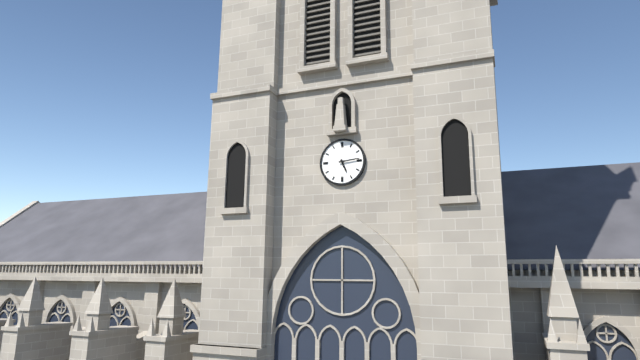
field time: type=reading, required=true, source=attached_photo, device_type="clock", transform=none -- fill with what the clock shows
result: 5:14
